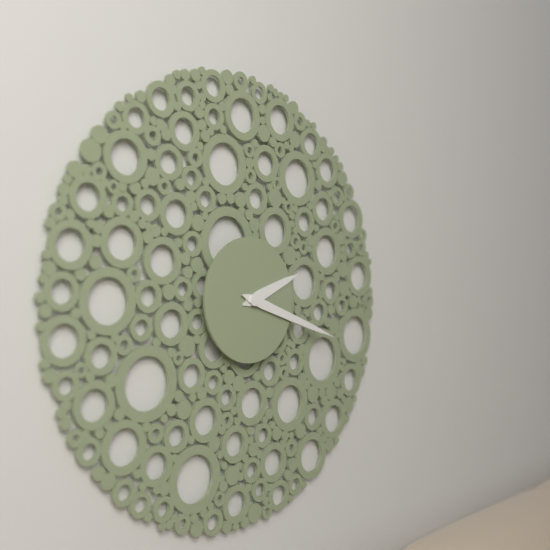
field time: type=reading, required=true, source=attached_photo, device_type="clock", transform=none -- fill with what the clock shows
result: 2:18
